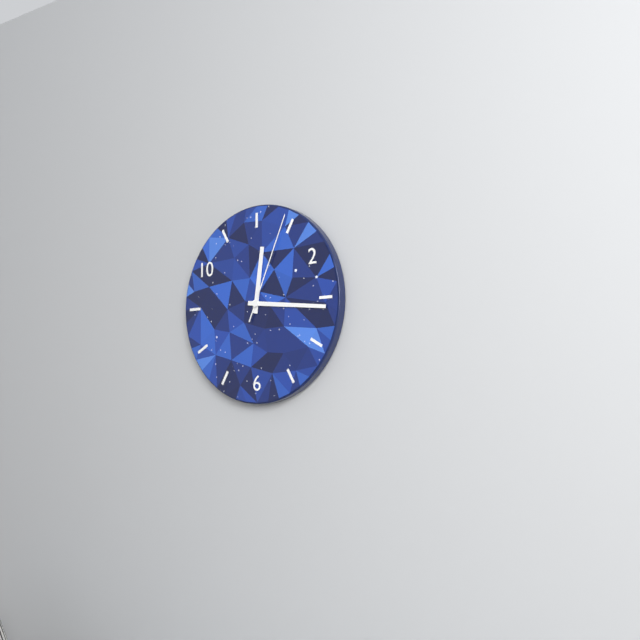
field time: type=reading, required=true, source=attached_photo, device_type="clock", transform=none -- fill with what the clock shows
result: 12:16:04
